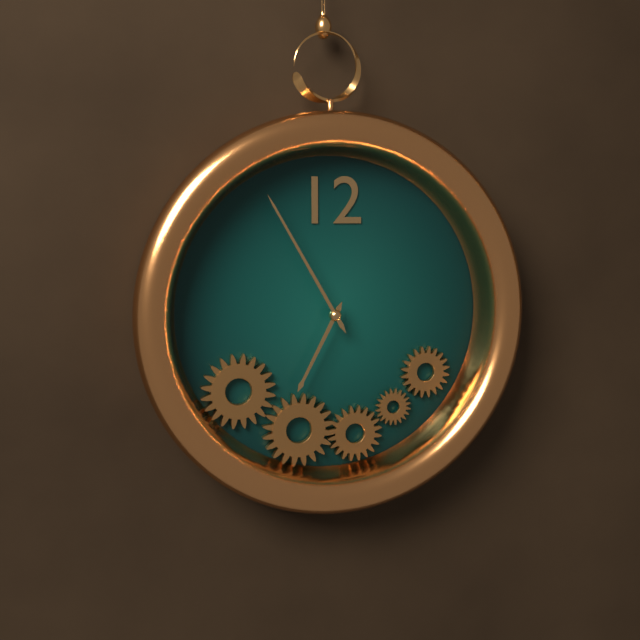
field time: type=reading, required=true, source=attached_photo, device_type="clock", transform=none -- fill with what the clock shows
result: 6:55
